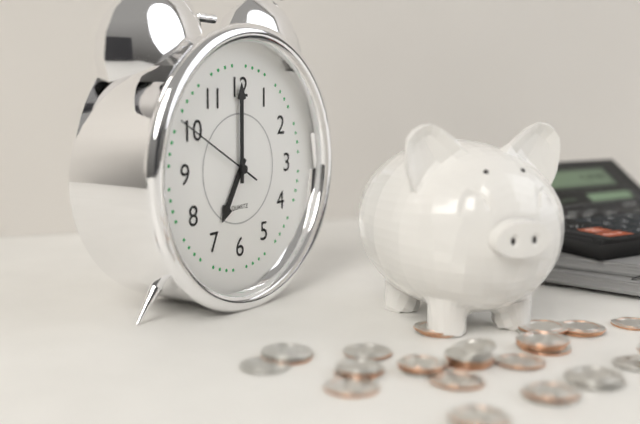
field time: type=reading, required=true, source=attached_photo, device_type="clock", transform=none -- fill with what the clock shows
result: 7:00:50
